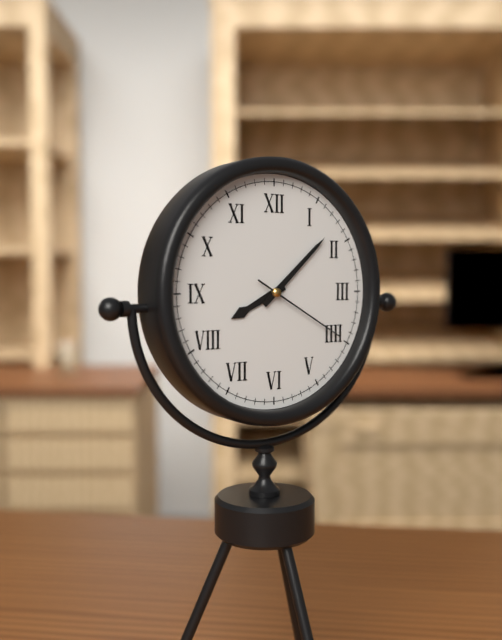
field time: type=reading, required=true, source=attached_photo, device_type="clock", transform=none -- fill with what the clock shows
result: 8:08:20
